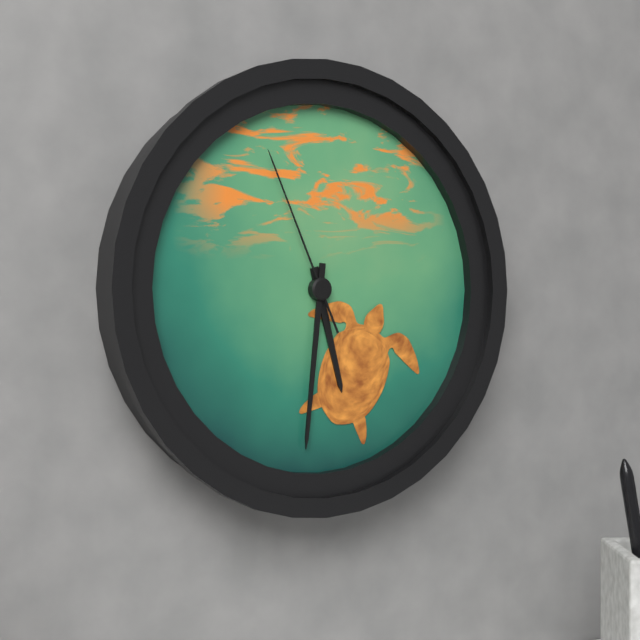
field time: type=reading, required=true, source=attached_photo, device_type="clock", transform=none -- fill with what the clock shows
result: 5:31:56
